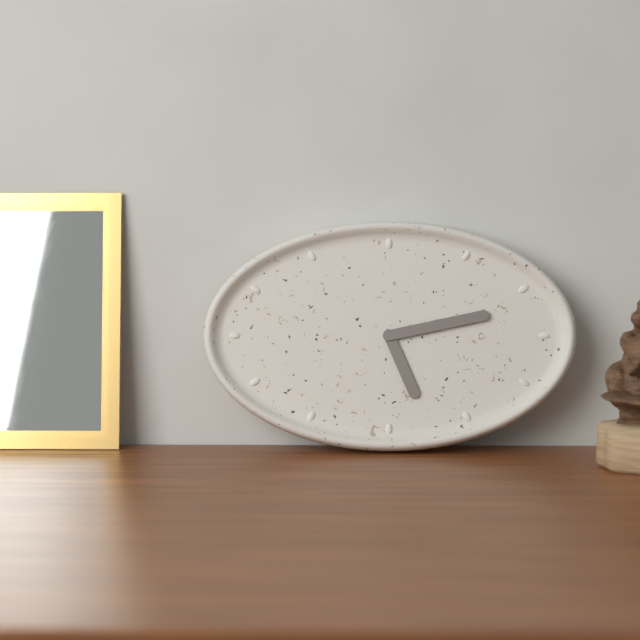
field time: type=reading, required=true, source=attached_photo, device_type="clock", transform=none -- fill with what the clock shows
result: 5:13
